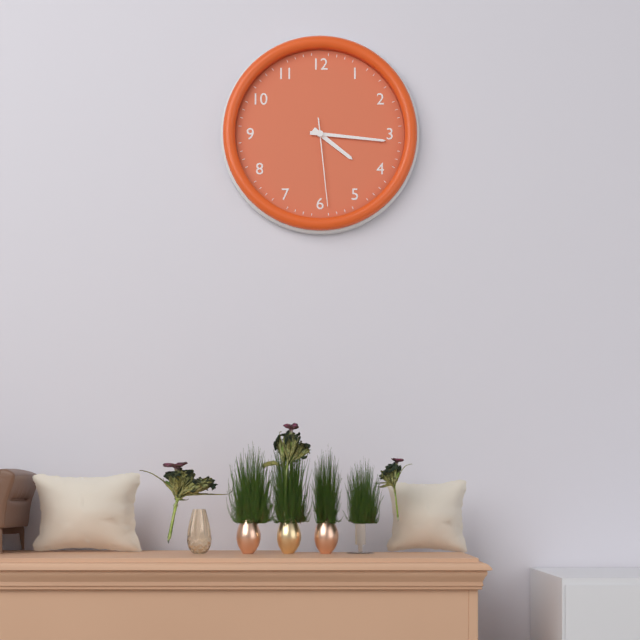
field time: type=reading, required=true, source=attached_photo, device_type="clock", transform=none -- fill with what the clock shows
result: 4:16:29
